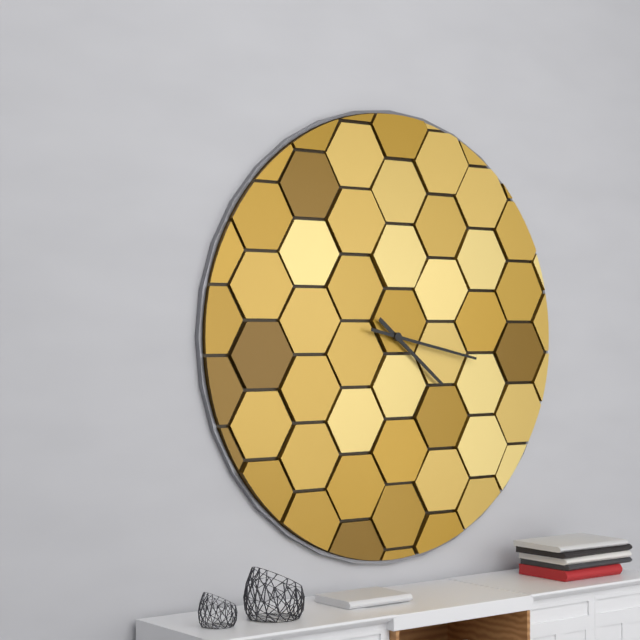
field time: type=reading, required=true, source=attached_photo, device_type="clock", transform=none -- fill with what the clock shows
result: 4:17
